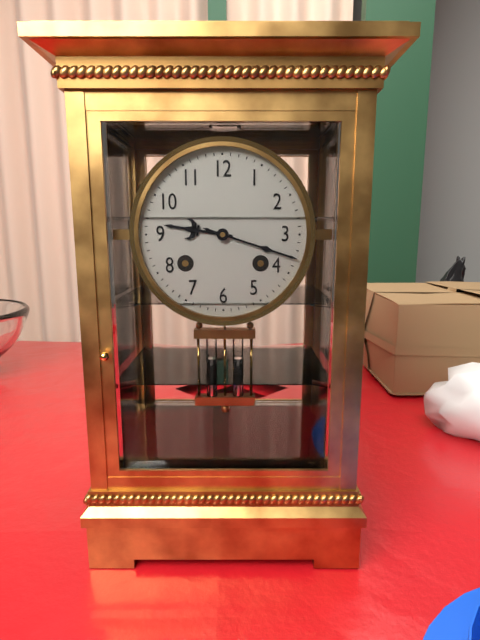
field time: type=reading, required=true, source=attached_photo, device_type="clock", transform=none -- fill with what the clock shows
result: 9:18
